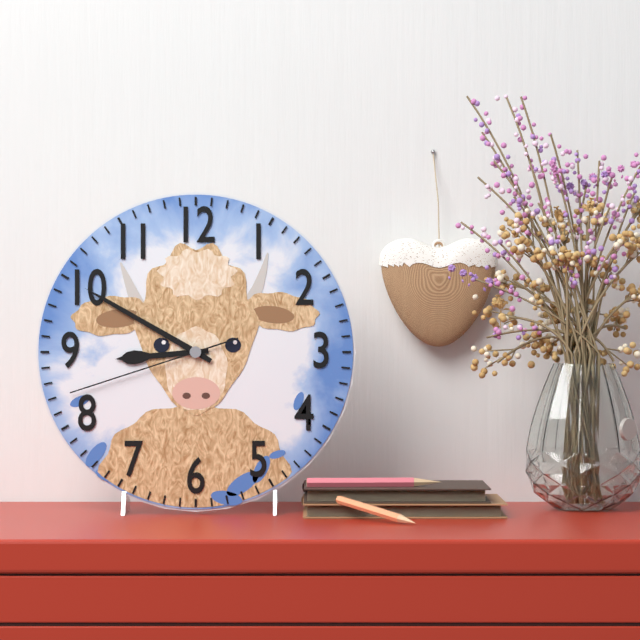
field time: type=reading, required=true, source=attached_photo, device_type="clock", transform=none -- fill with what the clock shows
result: 8:50:42
